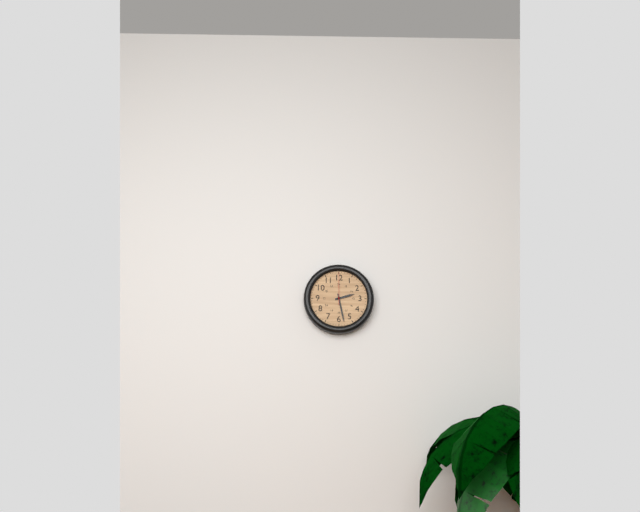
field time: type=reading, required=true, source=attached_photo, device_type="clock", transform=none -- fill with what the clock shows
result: 2:28
